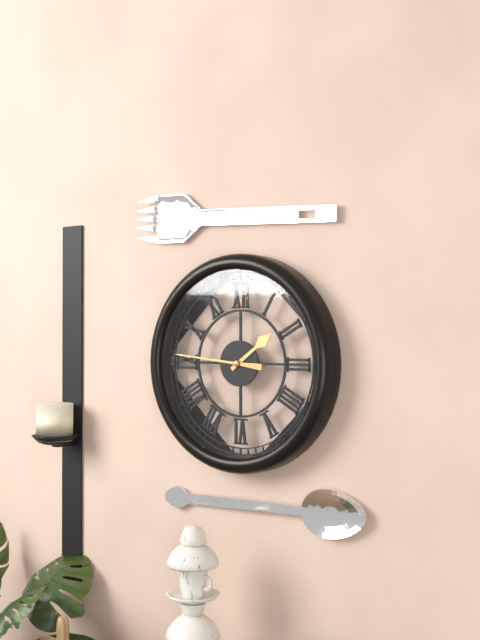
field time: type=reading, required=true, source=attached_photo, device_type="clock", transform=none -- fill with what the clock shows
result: 1:46
